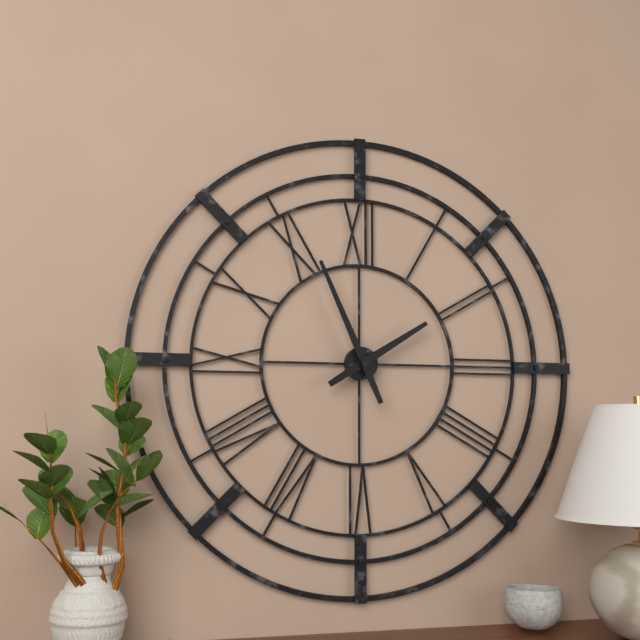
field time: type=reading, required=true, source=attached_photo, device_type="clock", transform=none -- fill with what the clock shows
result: 1:56
